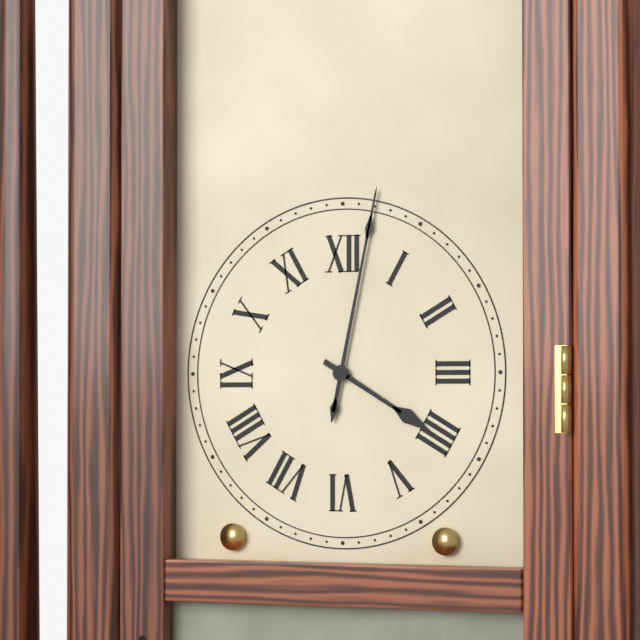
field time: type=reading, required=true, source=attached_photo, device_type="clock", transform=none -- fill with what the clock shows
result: 4:02
